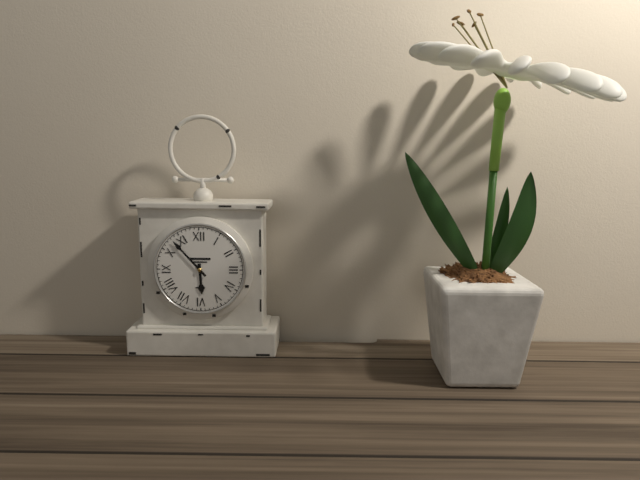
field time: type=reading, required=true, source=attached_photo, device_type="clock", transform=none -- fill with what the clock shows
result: 5:53
